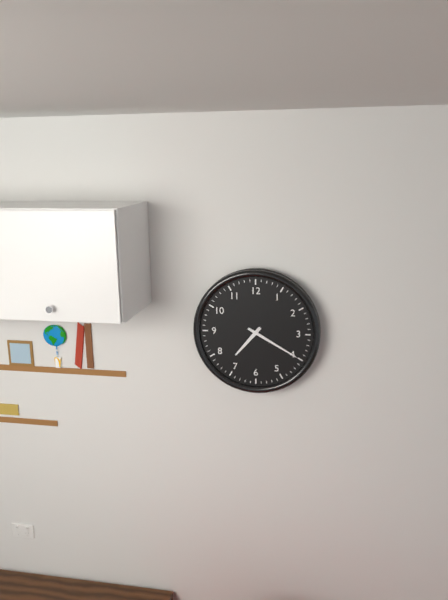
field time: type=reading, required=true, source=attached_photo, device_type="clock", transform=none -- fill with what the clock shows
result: 7:20
